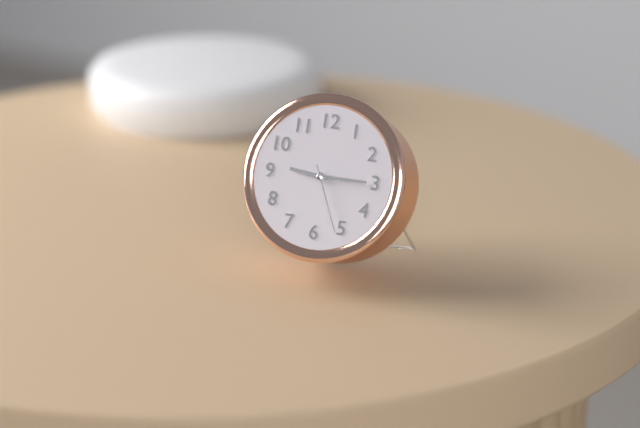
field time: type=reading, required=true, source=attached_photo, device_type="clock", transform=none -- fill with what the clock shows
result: 9:15:26
